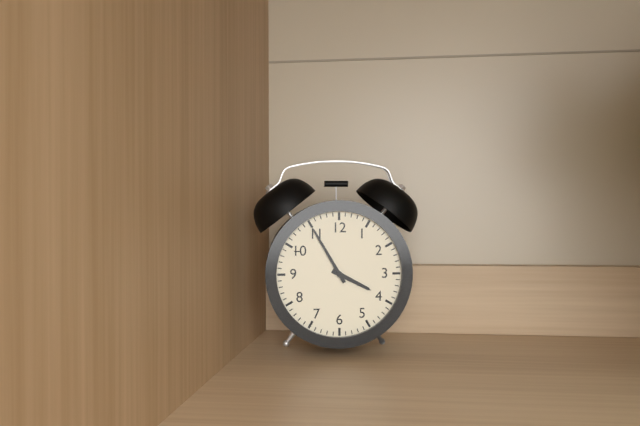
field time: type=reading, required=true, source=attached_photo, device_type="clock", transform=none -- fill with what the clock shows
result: 3:55
